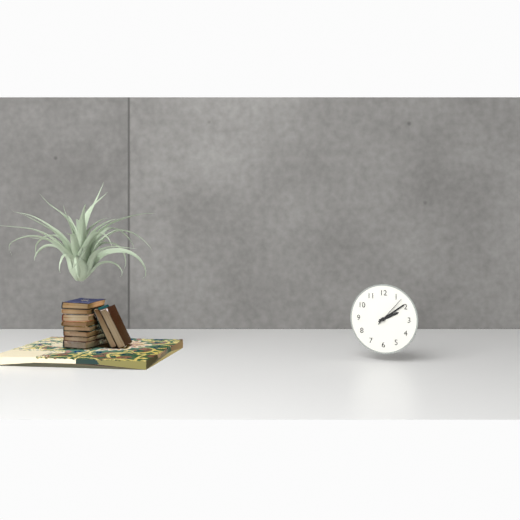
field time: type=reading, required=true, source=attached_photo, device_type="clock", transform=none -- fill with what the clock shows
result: 2:09
